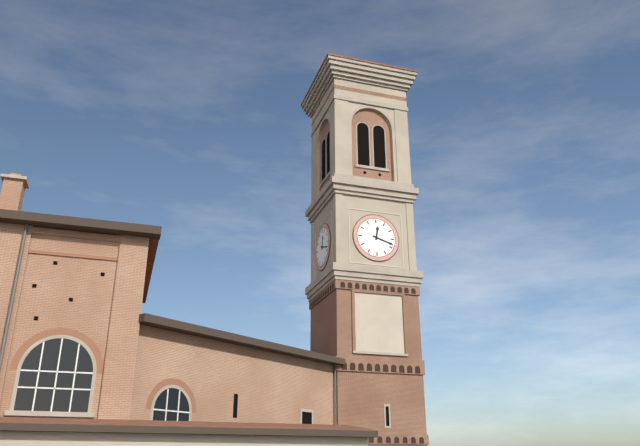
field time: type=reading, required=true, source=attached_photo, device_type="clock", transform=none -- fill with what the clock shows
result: 12:18
